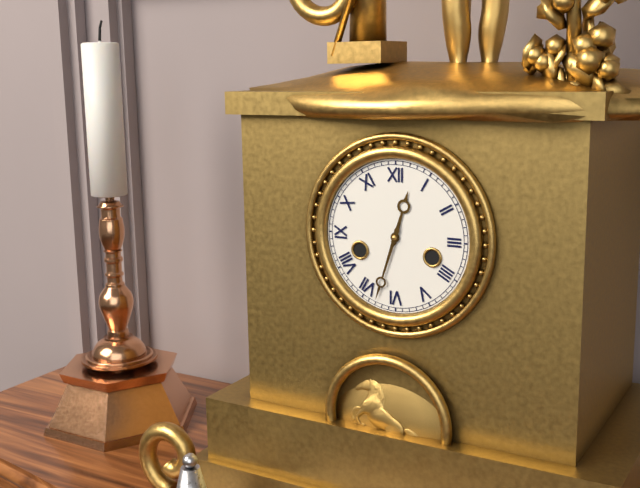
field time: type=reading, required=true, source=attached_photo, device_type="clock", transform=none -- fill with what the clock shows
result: 12:33
